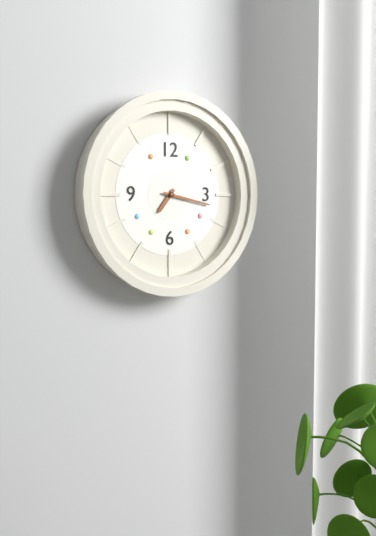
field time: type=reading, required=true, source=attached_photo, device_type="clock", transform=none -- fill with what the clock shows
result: 7:17
